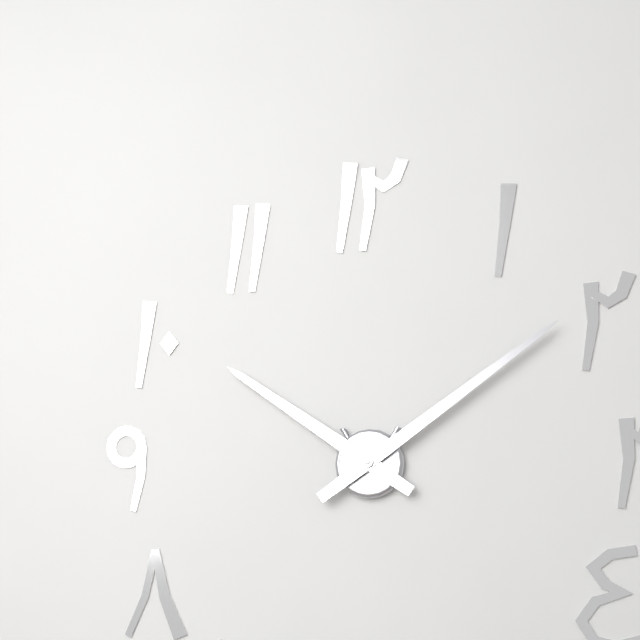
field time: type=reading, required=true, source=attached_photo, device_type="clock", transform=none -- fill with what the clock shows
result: 10:09
